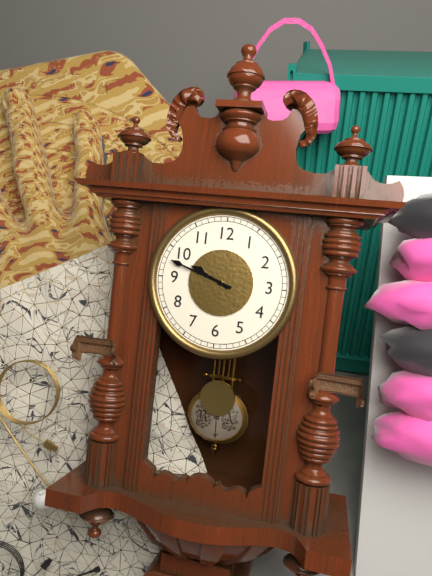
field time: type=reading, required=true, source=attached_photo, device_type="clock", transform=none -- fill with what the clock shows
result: 9:48
